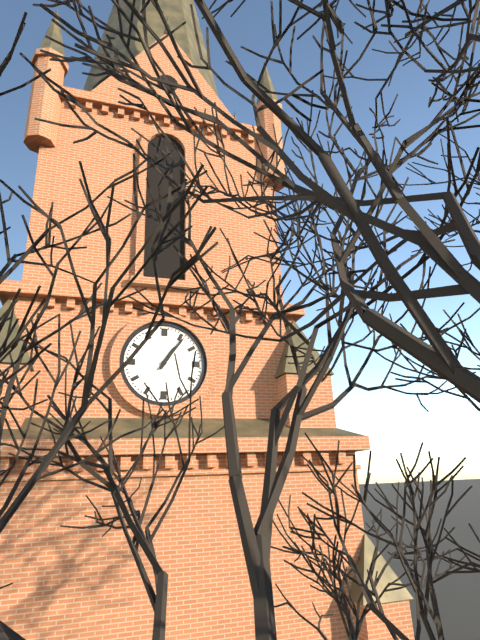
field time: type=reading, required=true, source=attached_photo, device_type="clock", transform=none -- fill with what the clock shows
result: 1:06
